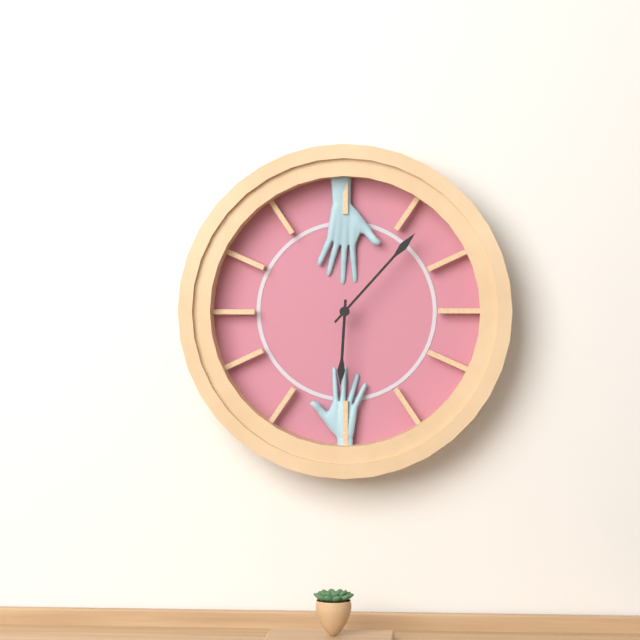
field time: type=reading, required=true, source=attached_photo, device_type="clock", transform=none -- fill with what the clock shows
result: 6:07
